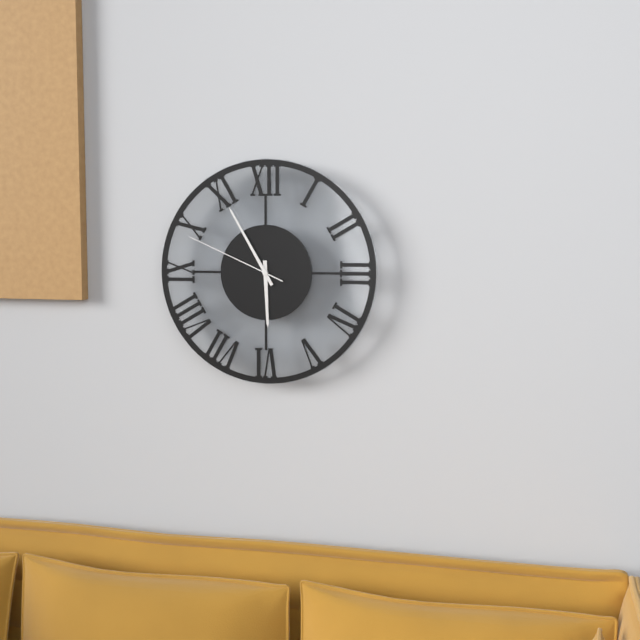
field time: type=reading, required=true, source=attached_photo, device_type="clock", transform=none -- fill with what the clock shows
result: 5:55:49
